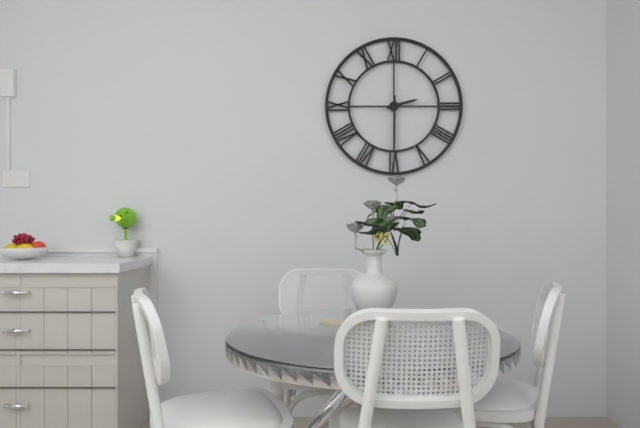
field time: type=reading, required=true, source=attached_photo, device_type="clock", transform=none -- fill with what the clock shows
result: 2:30
